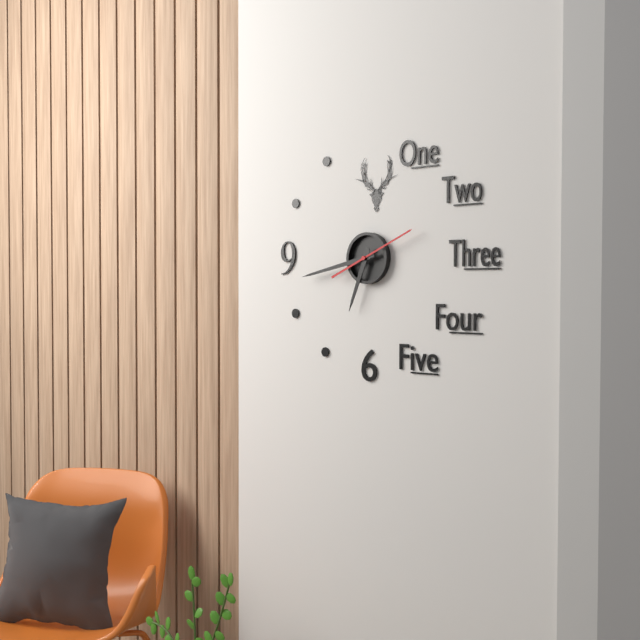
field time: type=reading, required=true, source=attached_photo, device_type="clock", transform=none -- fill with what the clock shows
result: 6:43:11
